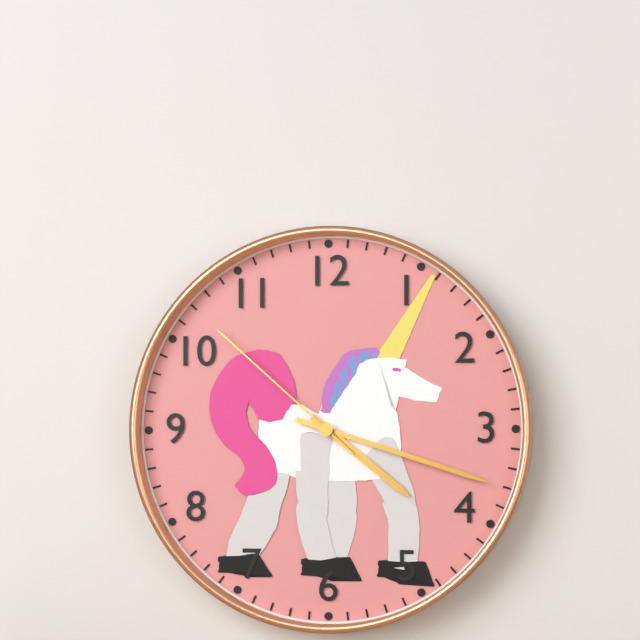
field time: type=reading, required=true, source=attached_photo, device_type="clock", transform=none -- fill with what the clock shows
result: 4:18:52
